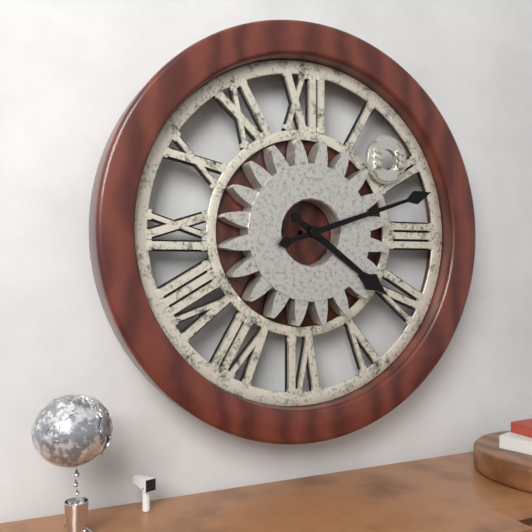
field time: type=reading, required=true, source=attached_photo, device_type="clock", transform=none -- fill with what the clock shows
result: 4:12
